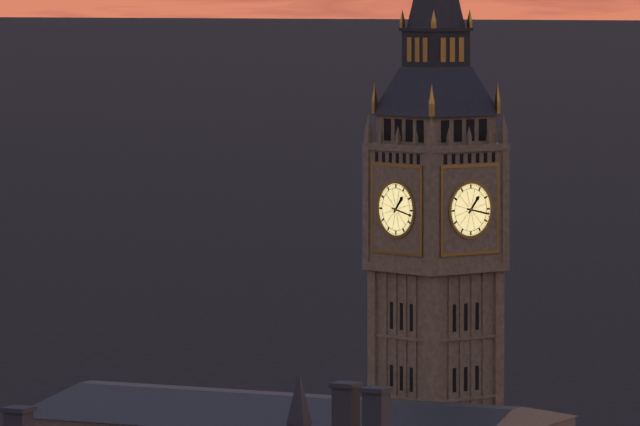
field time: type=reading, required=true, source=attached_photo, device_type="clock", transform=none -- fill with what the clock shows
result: 1:17
